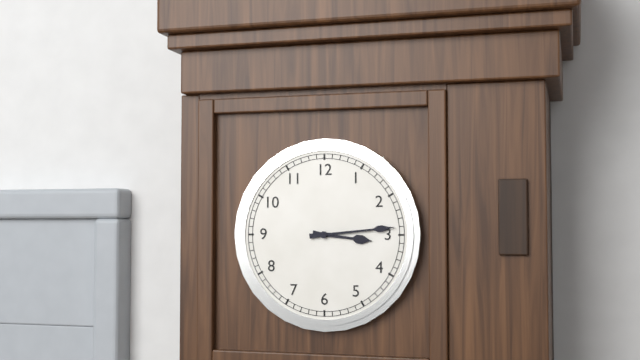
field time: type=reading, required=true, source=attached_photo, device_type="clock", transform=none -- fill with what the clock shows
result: 3:14
